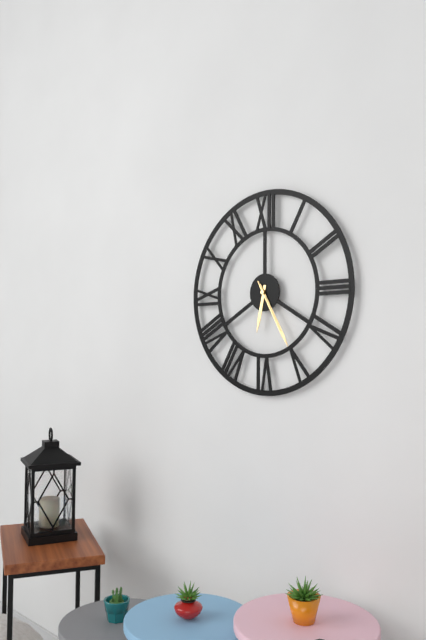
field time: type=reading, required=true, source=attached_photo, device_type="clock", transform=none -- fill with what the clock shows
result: 6:25:25
